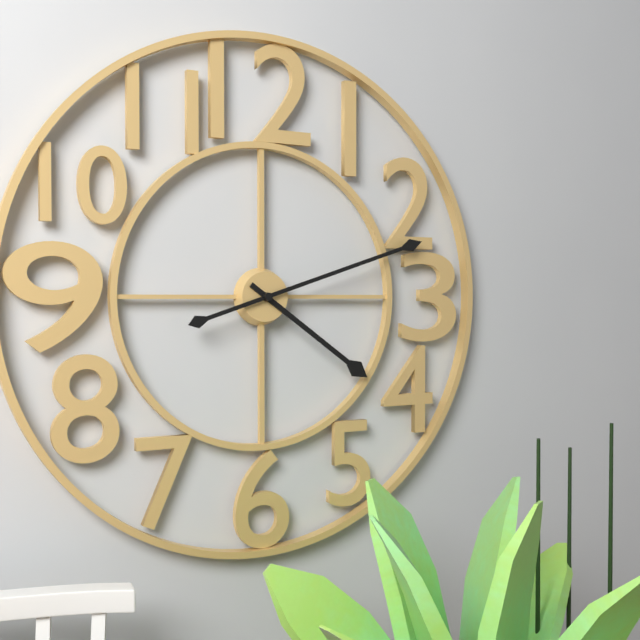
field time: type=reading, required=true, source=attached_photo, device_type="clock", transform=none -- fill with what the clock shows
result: 4:12
